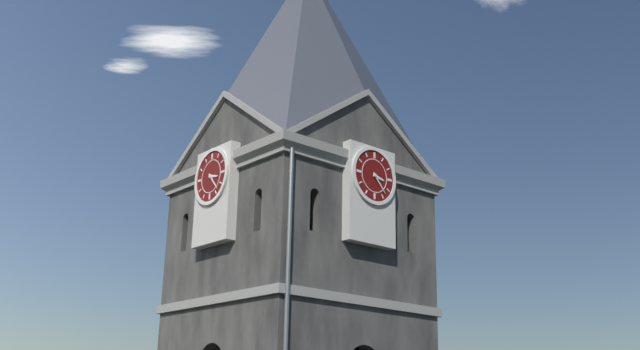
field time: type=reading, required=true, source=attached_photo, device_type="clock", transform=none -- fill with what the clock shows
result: 3:23
